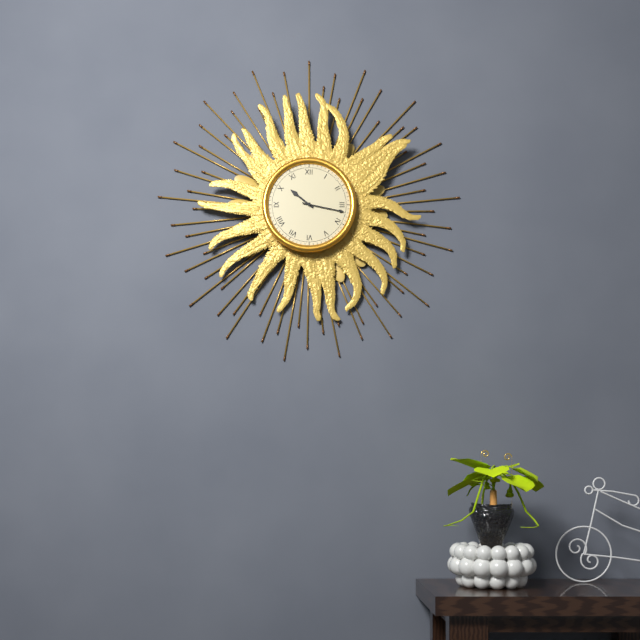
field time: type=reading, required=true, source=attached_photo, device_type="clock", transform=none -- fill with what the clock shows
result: 10:17
